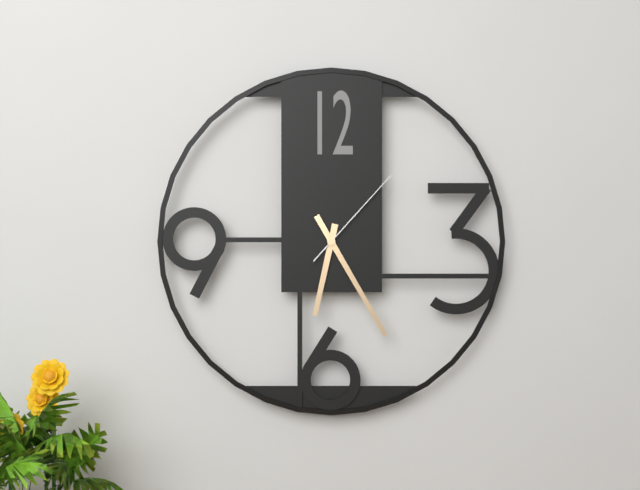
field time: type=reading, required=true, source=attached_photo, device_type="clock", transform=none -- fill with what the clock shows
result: 6:25:07
